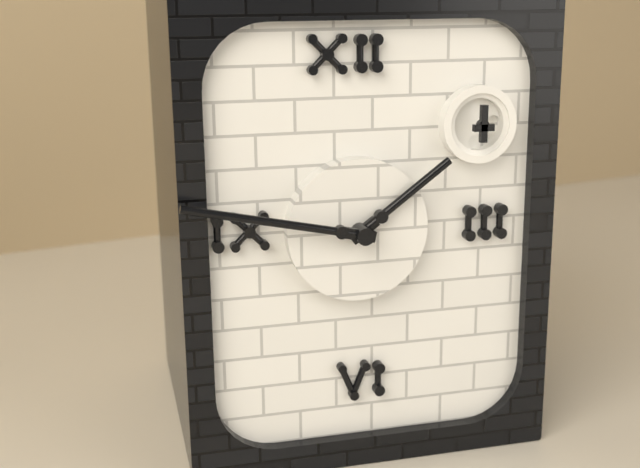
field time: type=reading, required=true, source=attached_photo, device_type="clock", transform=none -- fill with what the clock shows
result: 1:47
